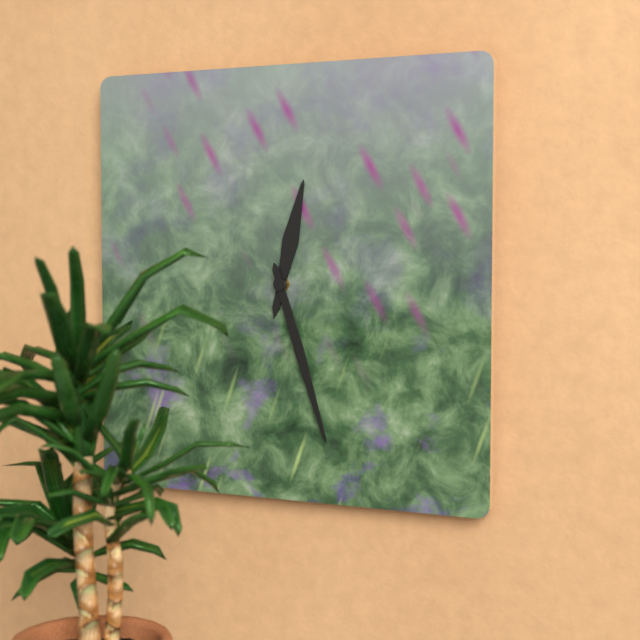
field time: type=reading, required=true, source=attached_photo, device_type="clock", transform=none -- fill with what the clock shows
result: 12:27
